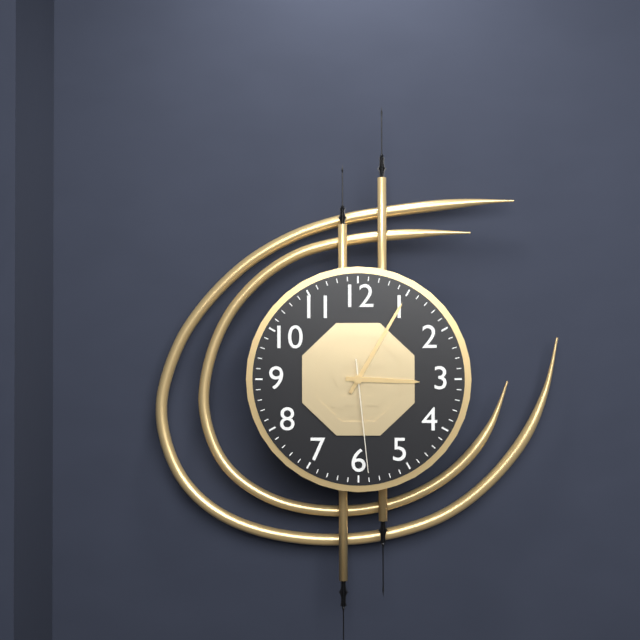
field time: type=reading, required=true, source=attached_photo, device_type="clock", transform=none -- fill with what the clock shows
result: 3:05:29
